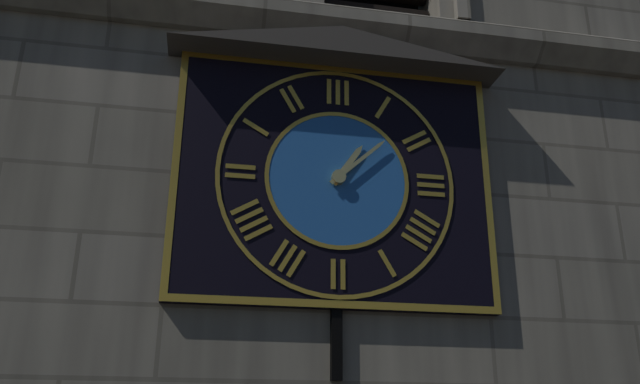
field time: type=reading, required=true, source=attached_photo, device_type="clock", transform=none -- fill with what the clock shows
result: 1:08
